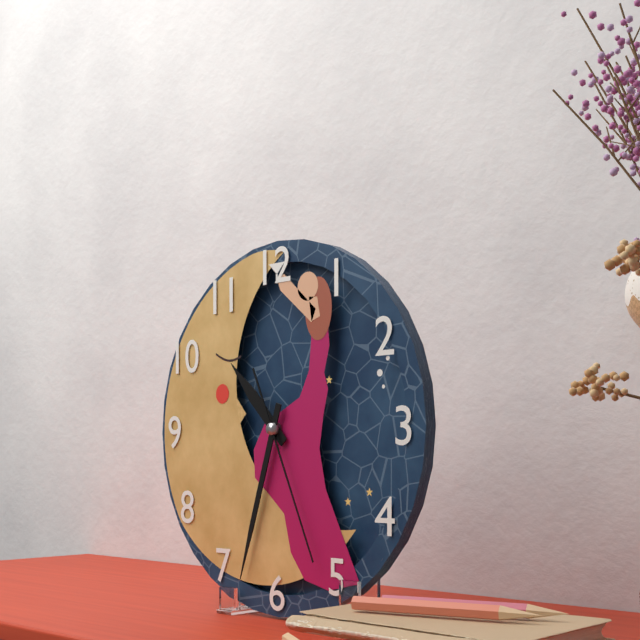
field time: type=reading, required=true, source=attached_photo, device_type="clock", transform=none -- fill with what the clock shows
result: 10:33:26
